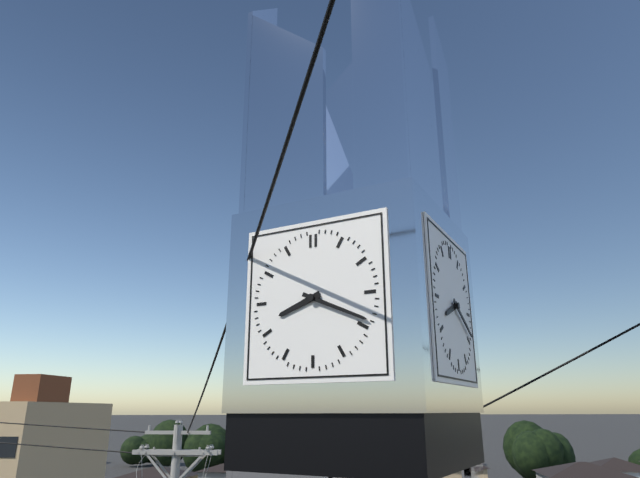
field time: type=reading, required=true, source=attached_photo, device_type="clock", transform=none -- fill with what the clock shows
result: 8:19
